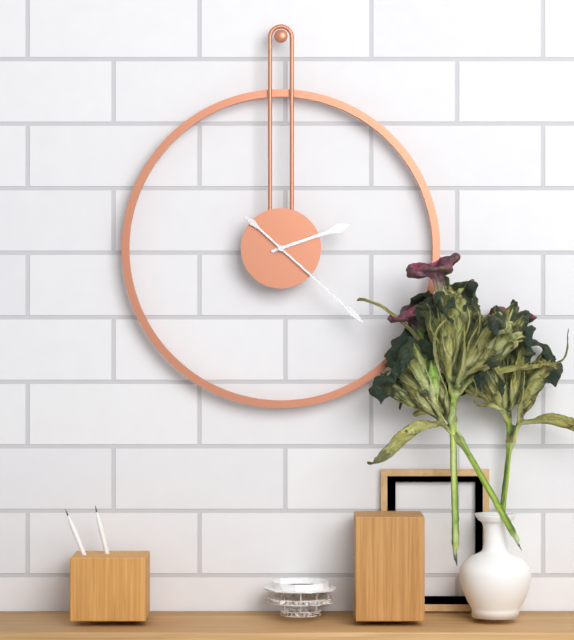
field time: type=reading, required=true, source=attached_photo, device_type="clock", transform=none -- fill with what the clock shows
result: 2:22
